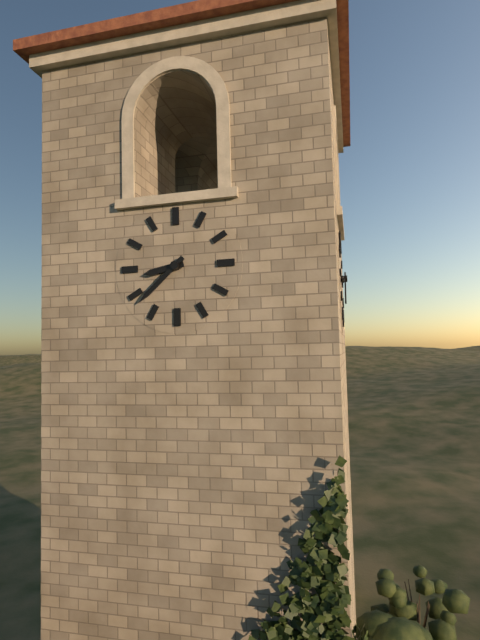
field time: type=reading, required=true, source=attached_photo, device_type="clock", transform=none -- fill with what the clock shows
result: 8:38
